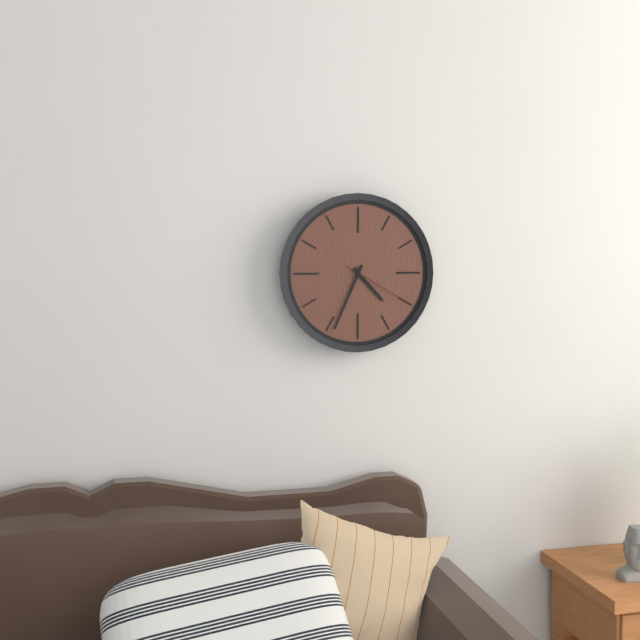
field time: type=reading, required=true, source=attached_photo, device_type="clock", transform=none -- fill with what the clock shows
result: 4:34:20
